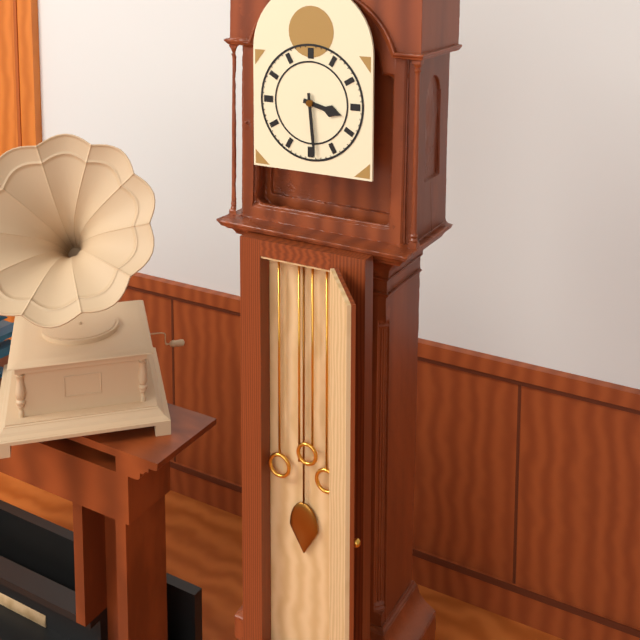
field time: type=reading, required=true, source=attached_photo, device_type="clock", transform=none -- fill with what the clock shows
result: 3:29
